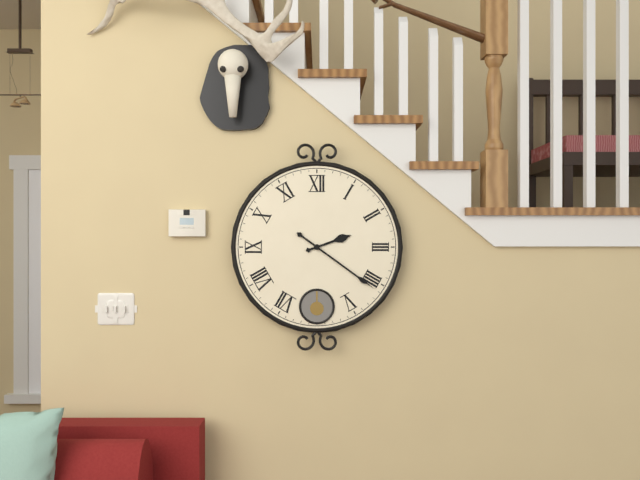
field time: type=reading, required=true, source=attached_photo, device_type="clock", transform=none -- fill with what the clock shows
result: 2:21
